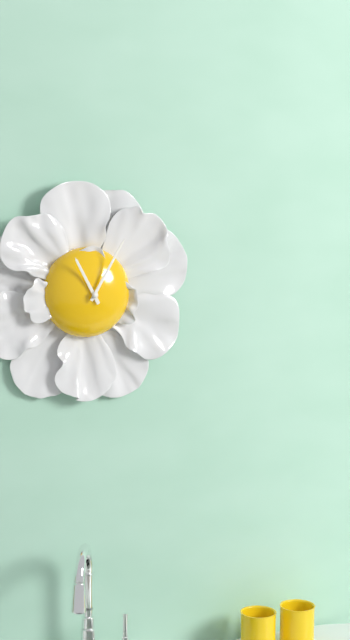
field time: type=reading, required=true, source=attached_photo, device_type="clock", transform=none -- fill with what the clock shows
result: 11:05
